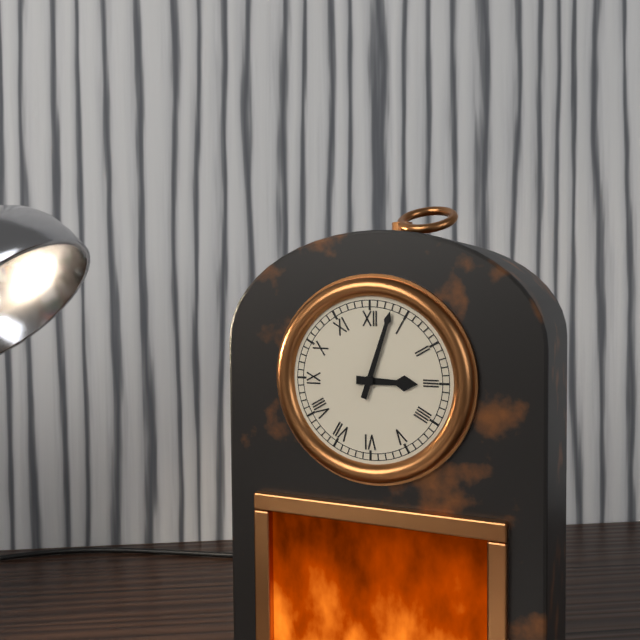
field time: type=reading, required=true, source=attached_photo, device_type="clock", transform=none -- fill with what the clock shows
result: 3:03
